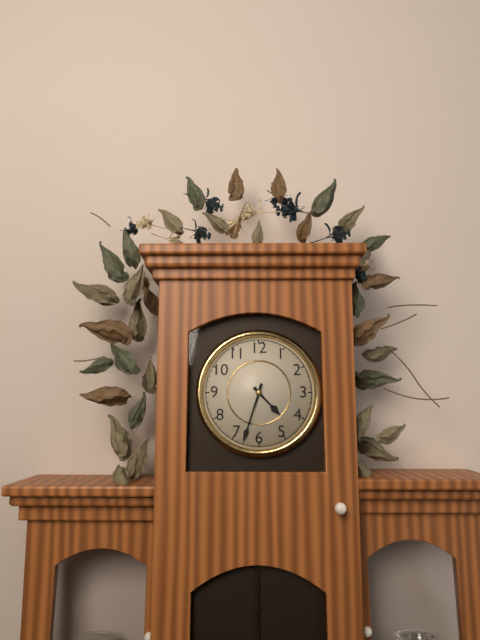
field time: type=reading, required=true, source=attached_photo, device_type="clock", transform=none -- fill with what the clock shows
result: 4:33
